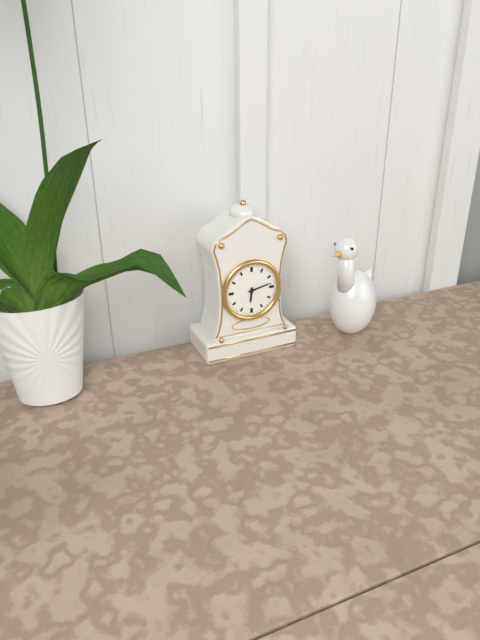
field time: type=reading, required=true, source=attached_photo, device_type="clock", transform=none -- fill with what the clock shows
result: 6:13
